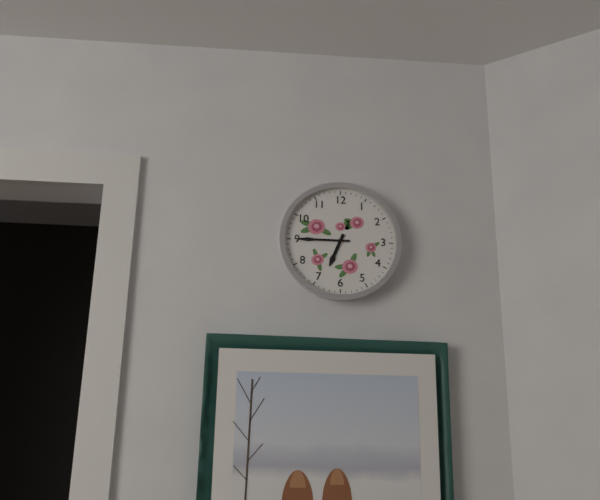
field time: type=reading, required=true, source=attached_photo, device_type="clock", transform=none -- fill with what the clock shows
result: 6:45
